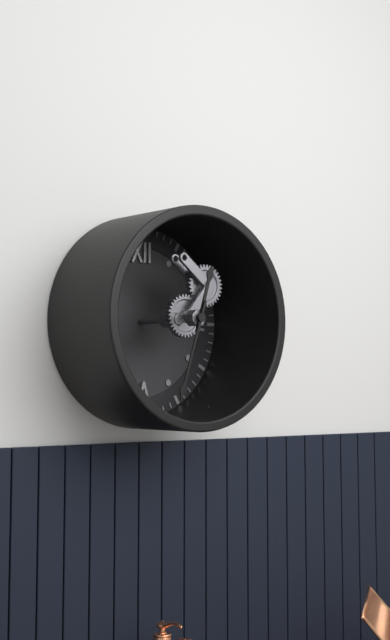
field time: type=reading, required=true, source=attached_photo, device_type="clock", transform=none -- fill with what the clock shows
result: 12:33
